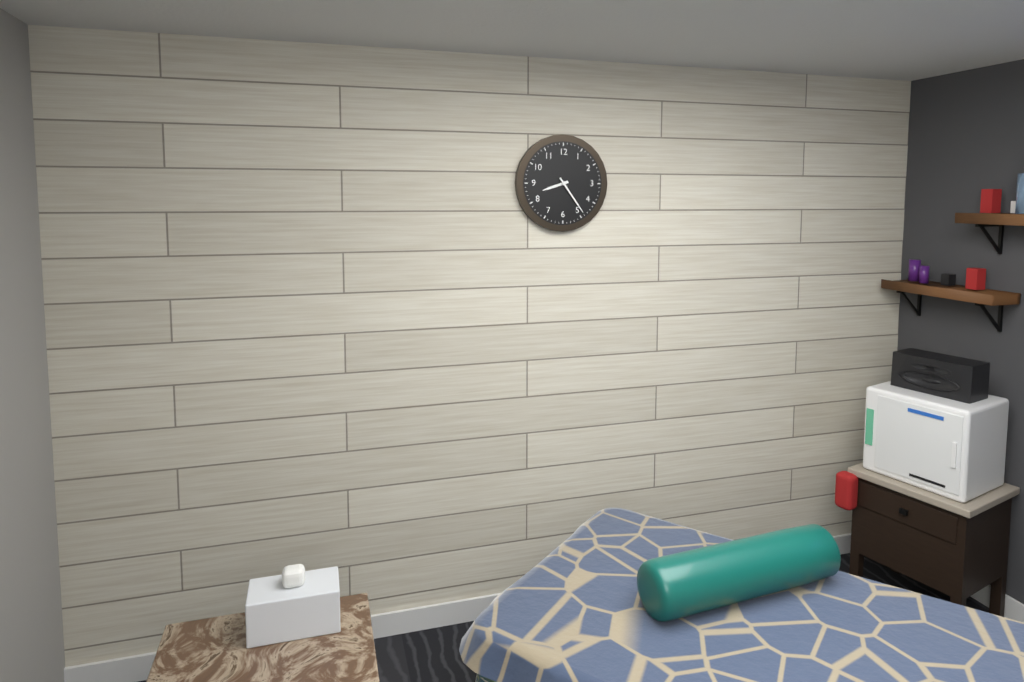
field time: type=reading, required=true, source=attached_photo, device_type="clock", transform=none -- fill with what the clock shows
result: 8:24
